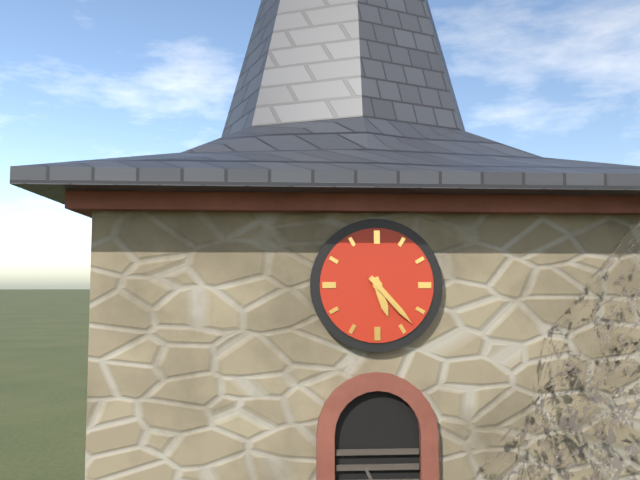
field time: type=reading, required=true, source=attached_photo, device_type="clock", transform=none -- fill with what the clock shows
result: 5:23
